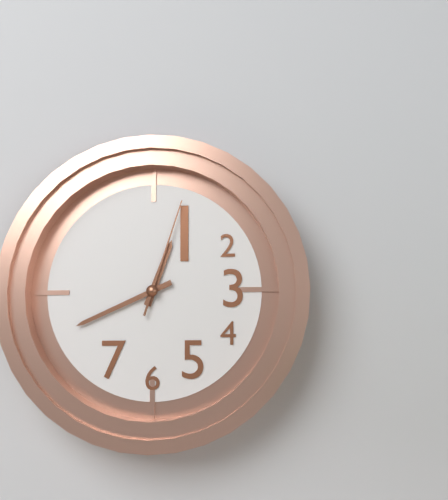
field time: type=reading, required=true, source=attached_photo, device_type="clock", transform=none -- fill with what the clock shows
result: 12:41:03
